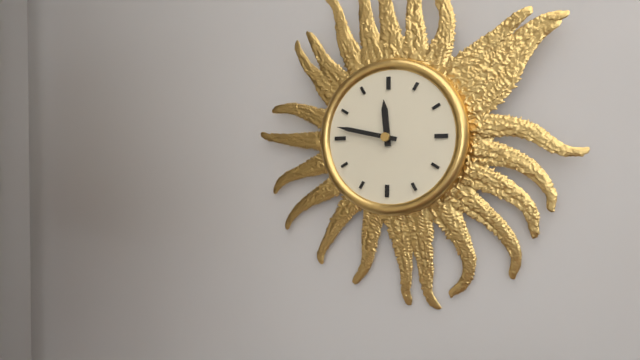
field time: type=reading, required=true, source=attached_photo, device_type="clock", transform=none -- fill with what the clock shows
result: 11:47
